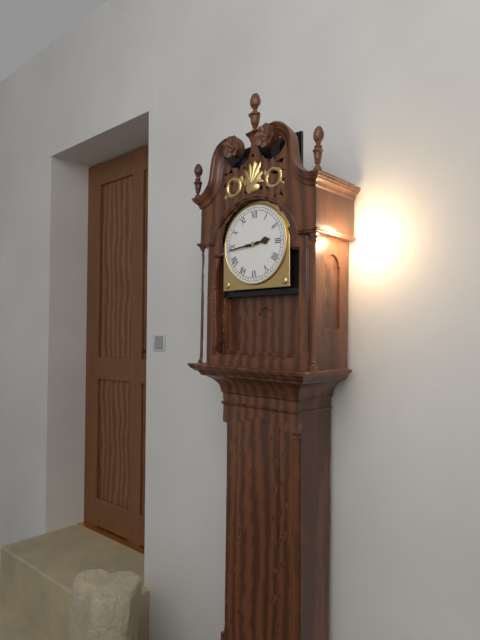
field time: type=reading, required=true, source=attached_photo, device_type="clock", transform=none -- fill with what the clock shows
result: 2:44
